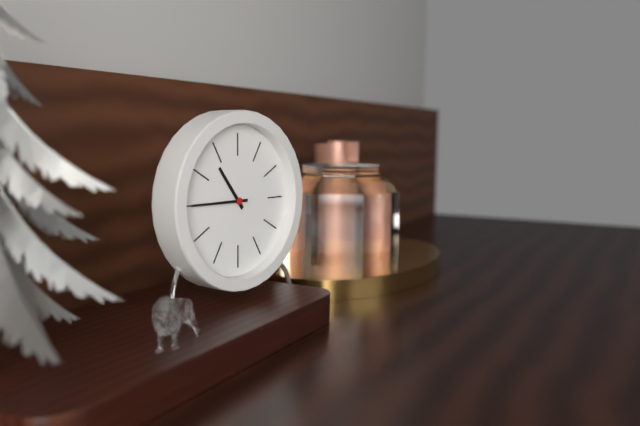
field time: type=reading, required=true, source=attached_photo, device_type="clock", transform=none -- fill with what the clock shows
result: 10:45
